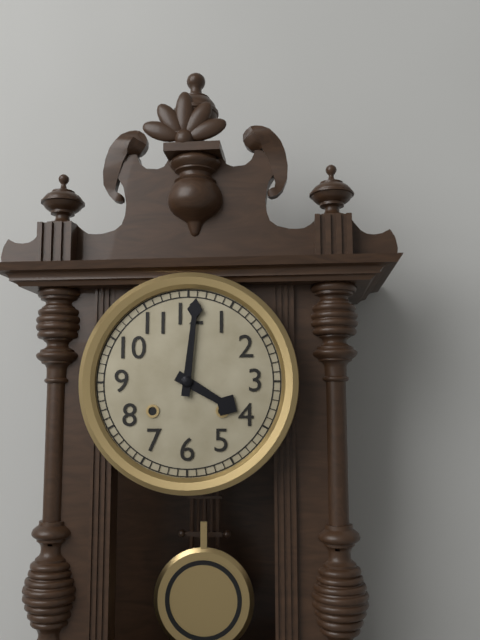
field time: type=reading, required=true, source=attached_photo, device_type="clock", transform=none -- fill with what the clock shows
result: 4:01
